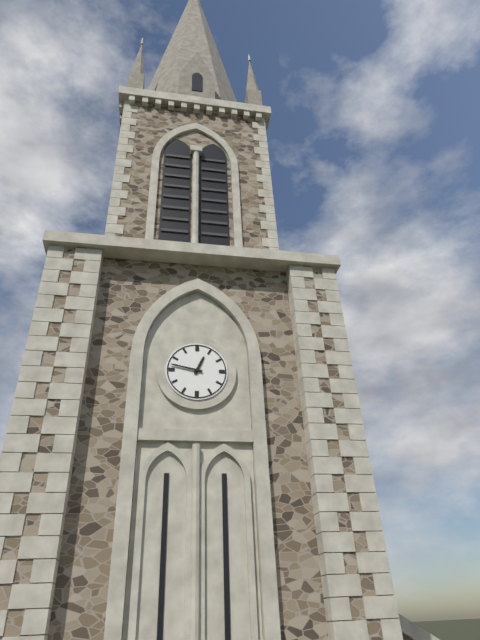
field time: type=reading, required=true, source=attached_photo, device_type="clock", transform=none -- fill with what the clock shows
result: 12:47
